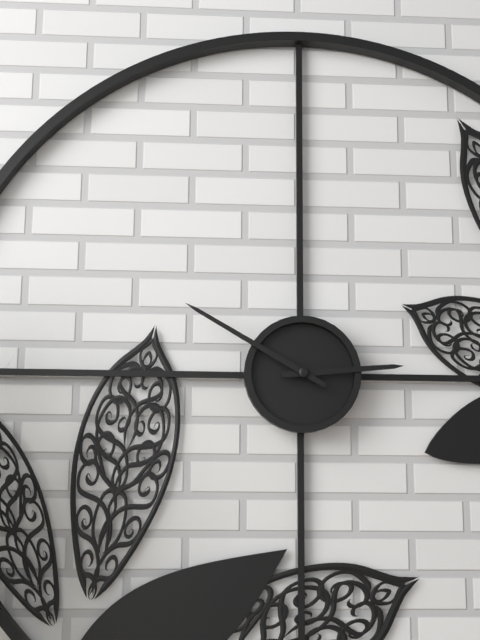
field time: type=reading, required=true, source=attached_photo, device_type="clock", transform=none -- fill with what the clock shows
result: 2:50
